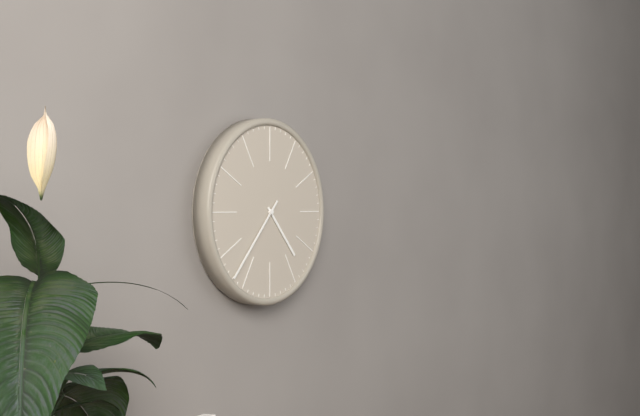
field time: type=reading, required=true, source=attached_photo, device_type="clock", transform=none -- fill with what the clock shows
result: 4:37
